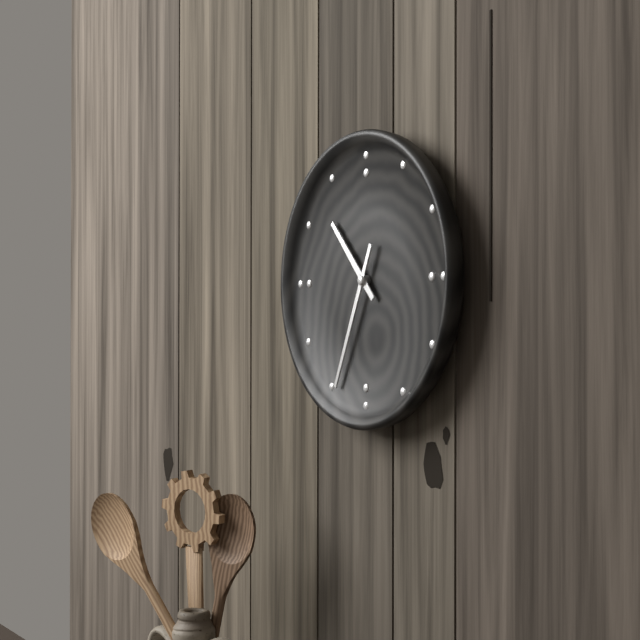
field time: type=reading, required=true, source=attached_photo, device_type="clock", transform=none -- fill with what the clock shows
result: 10:34
